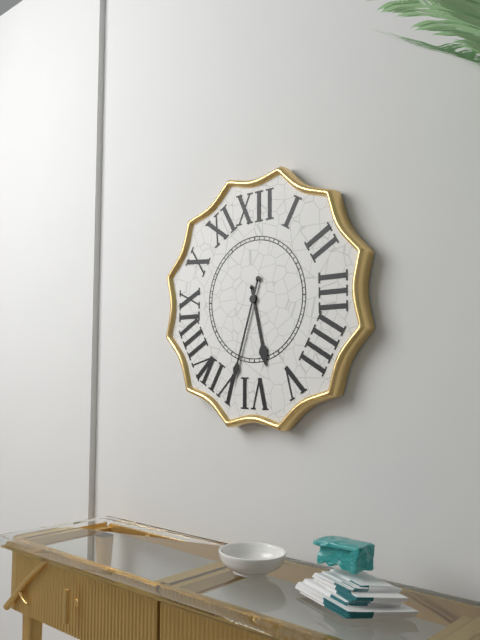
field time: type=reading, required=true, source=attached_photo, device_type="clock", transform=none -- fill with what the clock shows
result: 5:33
